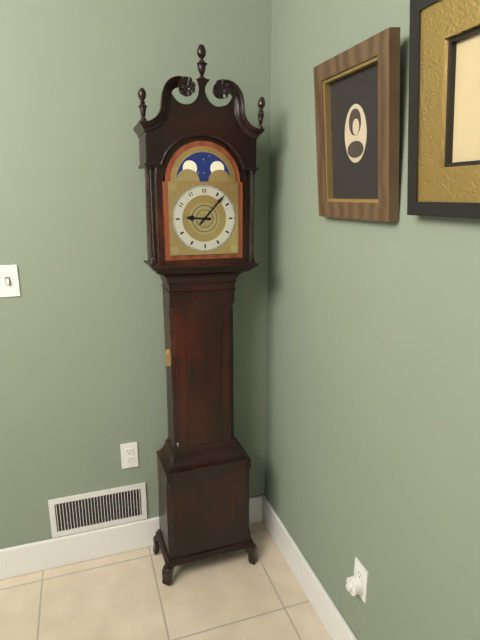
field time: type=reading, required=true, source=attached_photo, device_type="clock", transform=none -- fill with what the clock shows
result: 9:07
